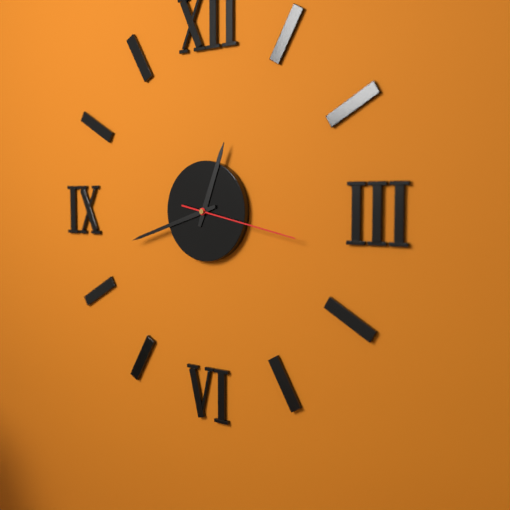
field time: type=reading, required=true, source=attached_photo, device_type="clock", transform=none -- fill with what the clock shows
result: 12:42:17
